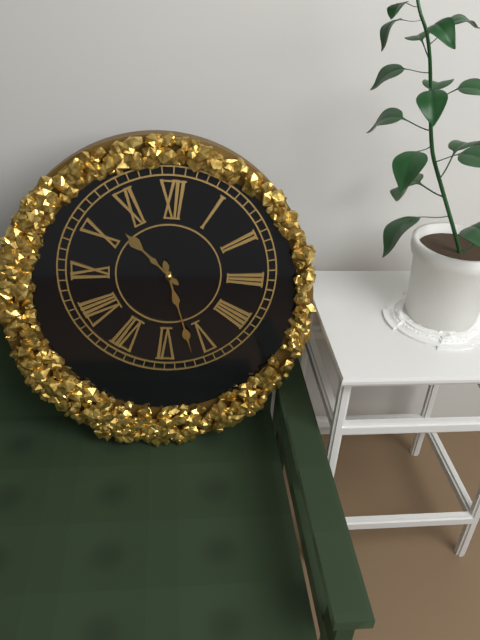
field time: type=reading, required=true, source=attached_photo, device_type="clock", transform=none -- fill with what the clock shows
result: 10:27
